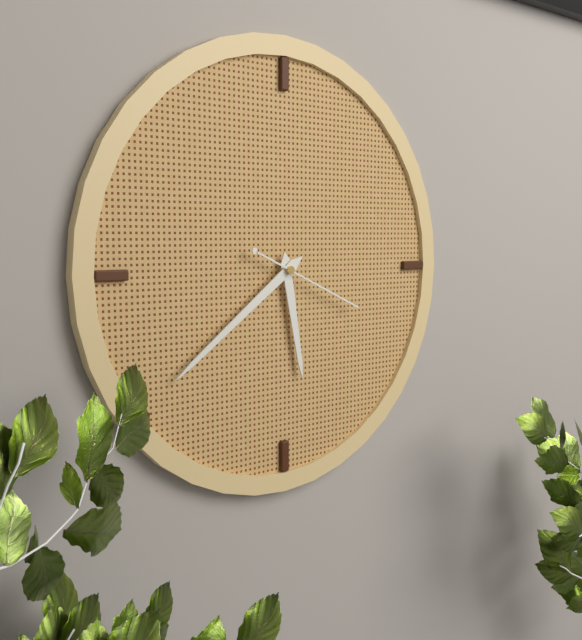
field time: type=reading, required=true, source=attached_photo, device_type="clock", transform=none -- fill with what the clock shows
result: 5:39:19
